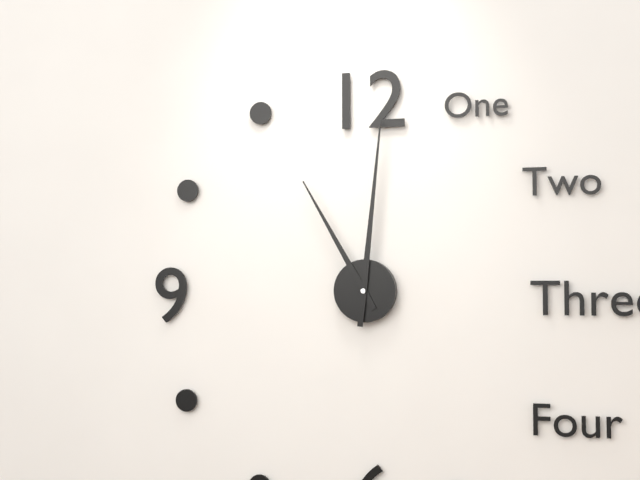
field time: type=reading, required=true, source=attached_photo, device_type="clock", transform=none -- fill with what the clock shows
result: 11:01
